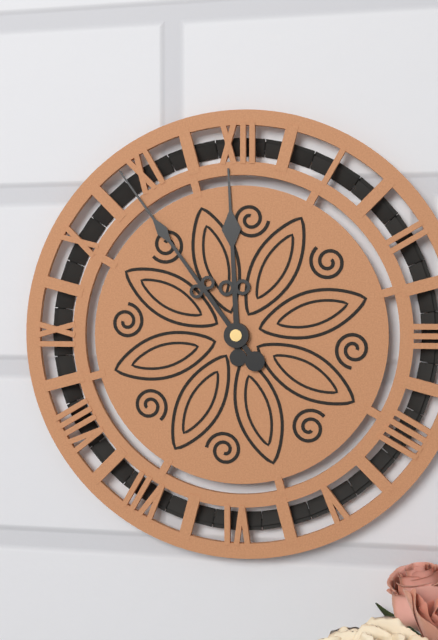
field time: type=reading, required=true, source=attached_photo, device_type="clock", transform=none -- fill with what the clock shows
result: 11:54
